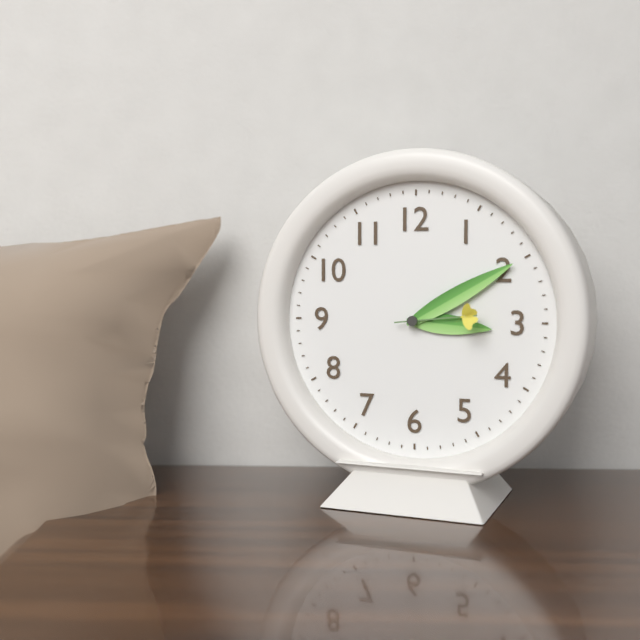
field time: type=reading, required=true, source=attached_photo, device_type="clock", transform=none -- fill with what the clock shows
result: 3:10:14
